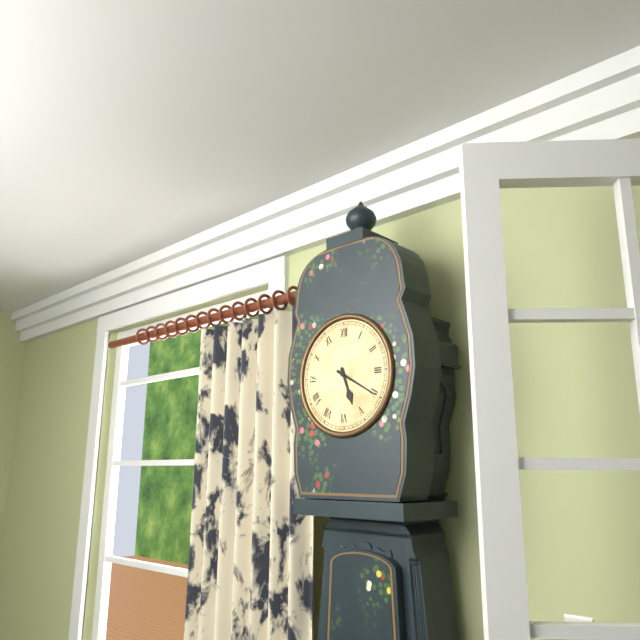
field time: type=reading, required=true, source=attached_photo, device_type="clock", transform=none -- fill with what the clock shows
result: 5:20
